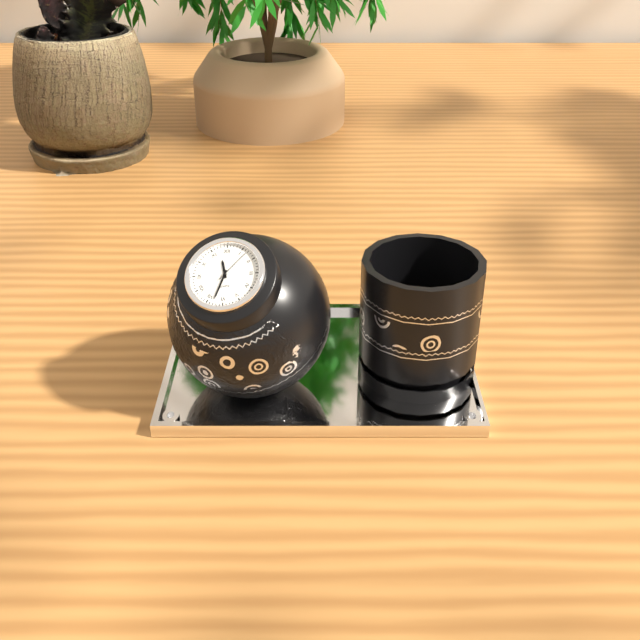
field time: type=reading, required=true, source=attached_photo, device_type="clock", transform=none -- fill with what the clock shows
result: 11:33:07
